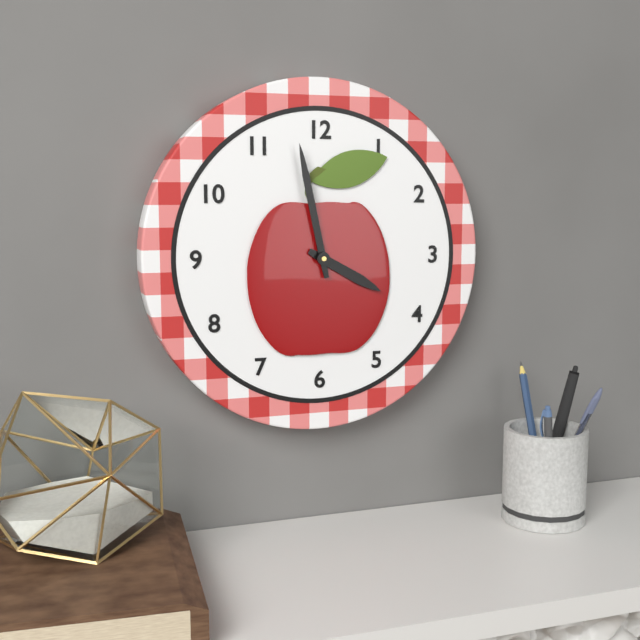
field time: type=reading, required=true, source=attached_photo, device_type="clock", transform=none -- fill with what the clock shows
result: 3:58
